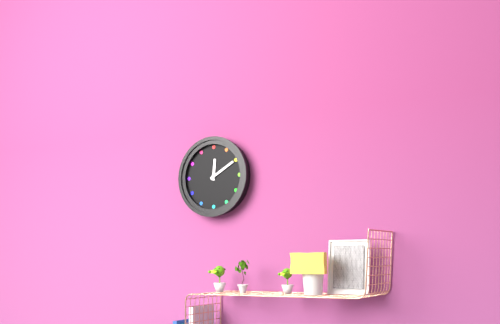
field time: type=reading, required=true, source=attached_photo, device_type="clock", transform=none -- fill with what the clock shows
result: 12:10
